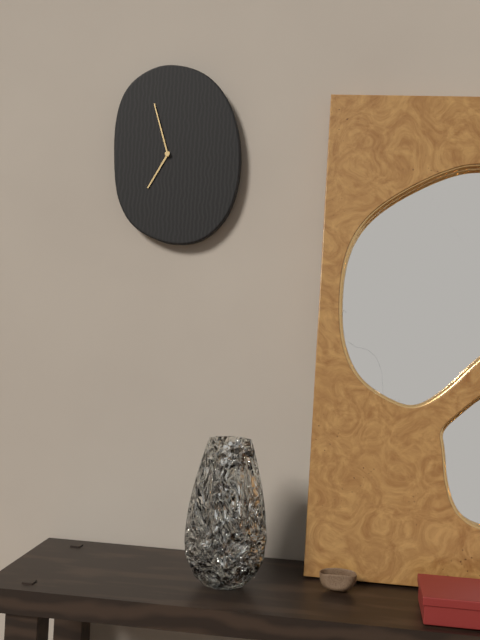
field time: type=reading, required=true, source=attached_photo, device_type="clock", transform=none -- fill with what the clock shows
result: 6:57
